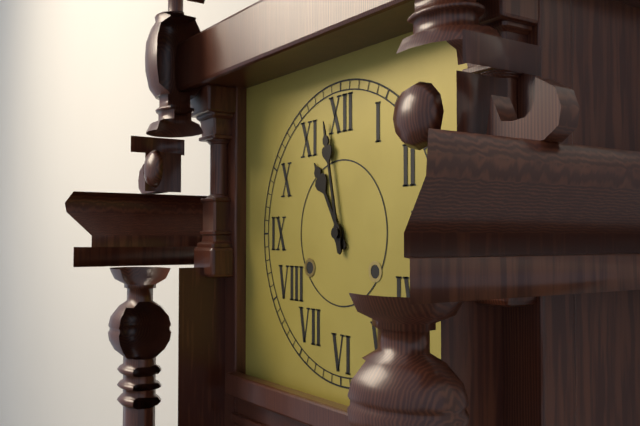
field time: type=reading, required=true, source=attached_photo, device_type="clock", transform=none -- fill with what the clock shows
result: 10:58
